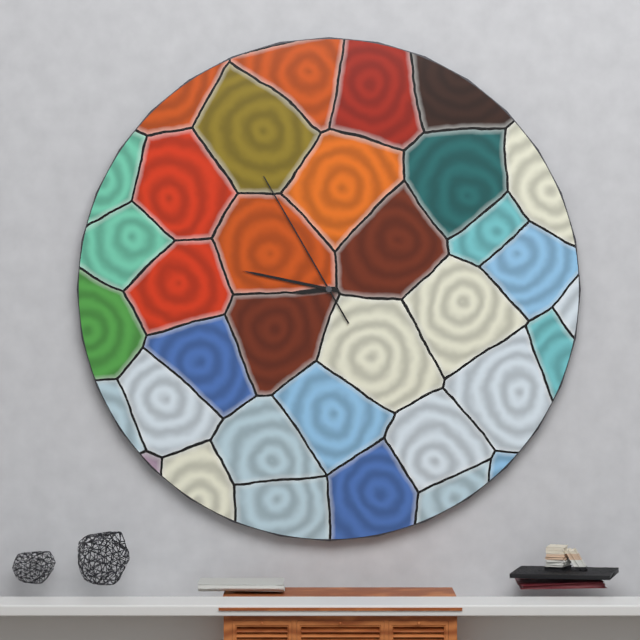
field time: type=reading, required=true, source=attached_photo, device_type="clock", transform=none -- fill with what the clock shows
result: 8:47:55
